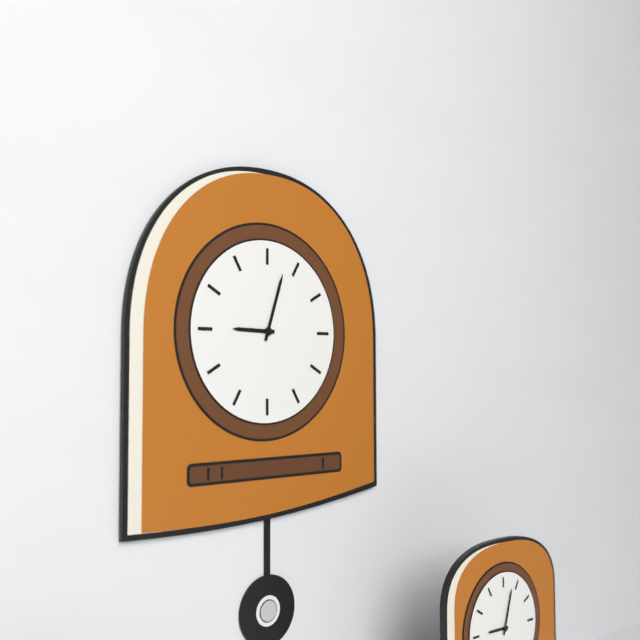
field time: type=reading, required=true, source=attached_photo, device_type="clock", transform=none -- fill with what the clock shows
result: 9:03
